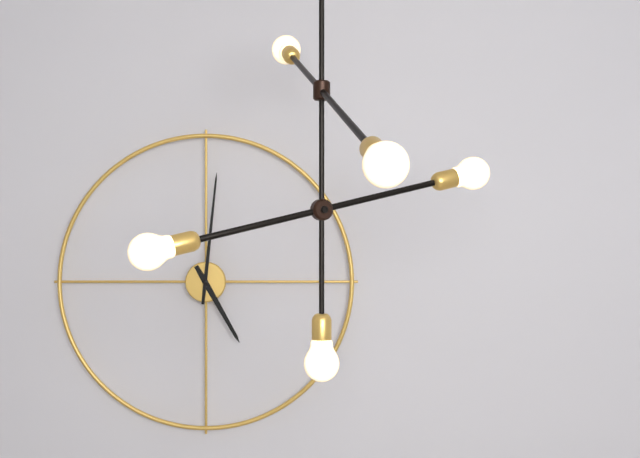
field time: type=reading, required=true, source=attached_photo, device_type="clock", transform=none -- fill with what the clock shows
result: 5:01
